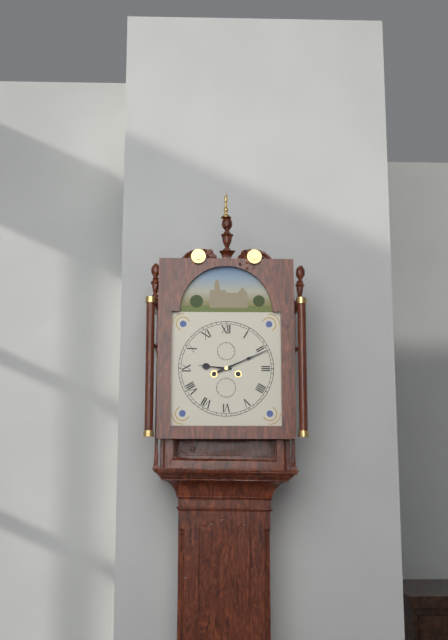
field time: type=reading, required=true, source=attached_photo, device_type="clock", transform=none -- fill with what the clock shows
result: 9:11
